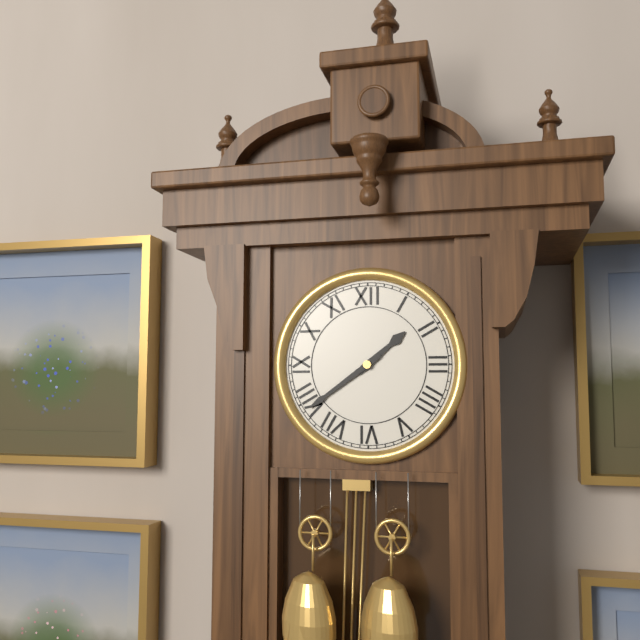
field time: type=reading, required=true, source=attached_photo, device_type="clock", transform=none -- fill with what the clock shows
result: 1:39
